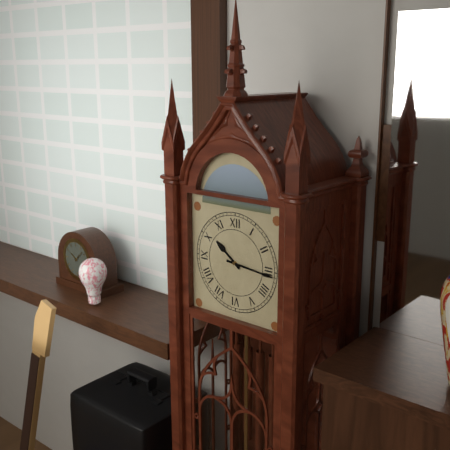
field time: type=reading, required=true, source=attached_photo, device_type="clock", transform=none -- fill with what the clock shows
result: 10:16
